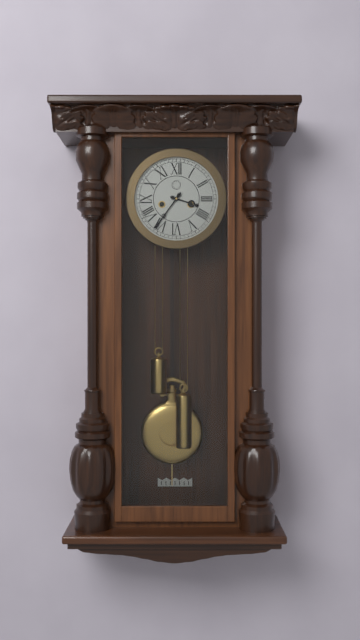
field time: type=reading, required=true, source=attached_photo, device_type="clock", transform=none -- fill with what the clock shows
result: 3:36
